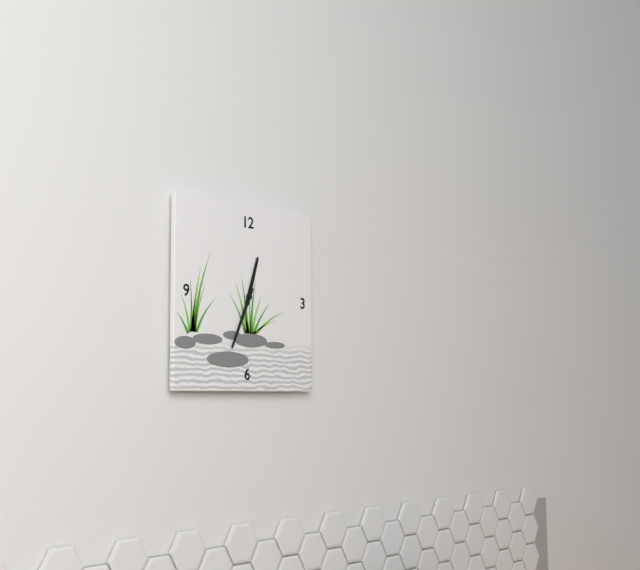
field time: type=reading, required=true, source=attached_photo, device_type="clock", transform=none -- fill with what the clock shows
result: 12:34
